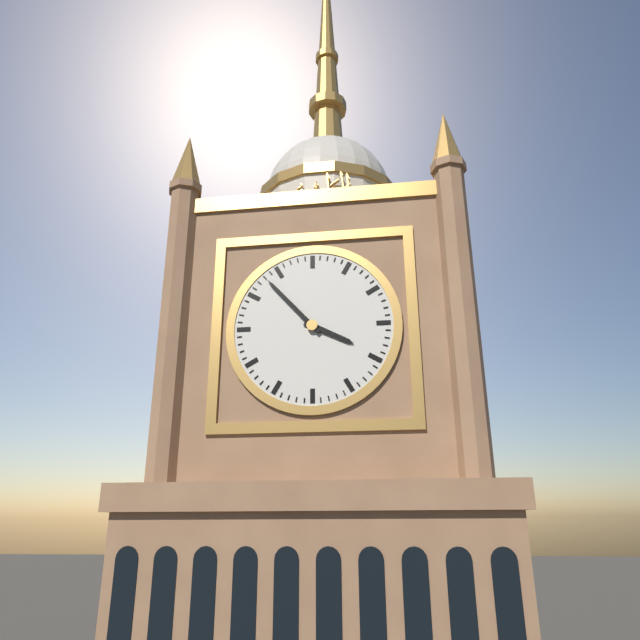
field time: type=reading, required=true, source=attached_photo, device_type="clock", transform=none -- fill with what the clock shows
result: 3:53
